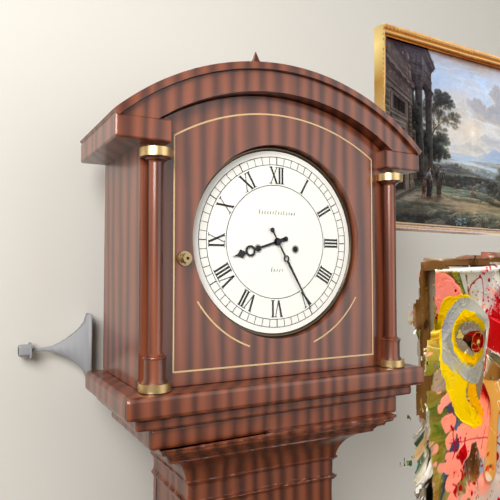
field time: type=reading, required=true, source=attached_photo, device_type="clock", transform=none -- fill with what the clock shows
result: 8:25
